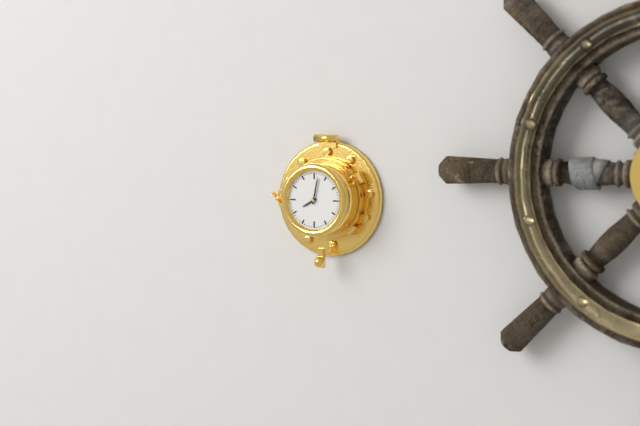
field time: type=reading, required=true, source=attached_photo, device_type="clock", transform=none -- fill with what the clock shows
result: 8:02
